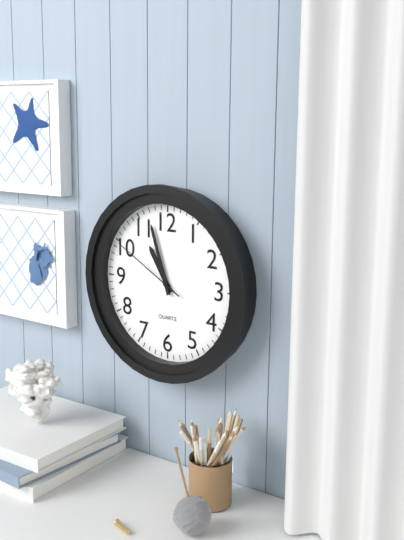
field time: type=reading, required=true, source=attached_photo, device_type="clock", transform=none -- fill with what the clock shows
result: 10:57:50
